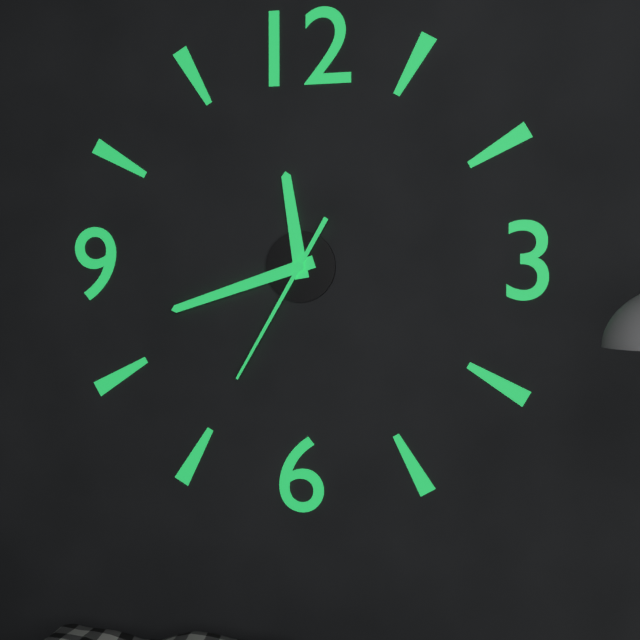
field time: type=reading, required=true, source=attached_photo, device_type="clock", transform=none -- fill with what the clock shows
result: 11:42:35
